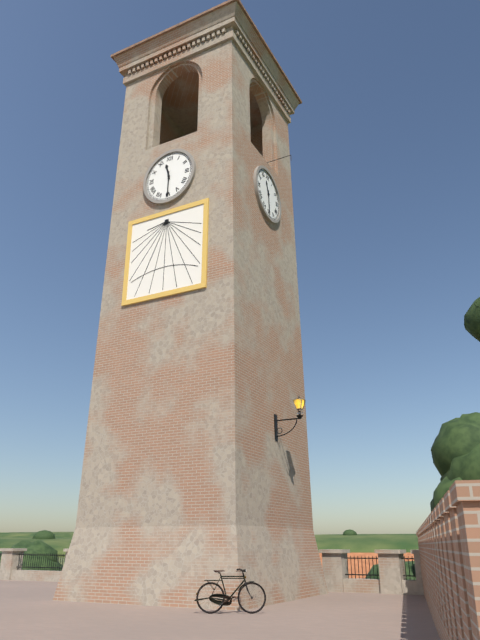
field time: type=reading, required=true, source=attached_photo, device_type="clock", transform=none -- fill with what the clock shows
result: 11:30
